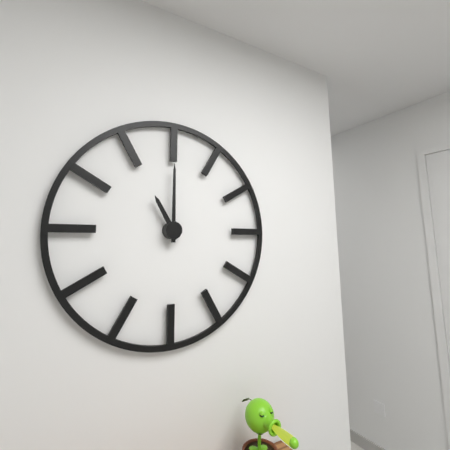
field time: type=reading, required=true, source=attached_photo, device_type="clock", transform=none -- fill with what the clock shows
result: 11:00
